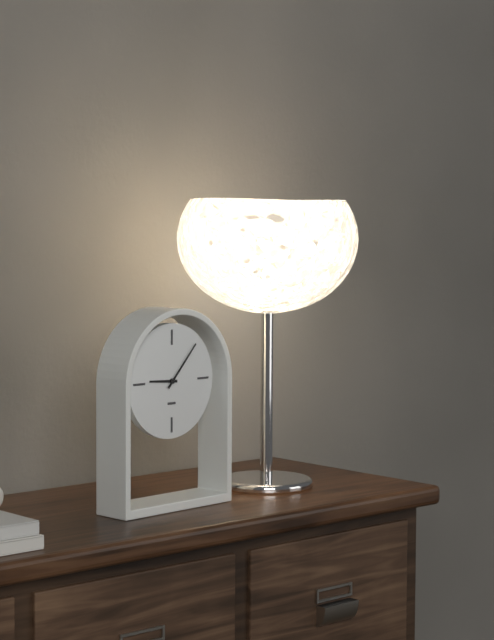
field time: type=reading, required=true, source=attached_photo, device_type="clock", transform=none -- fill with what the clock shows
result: 9:07
